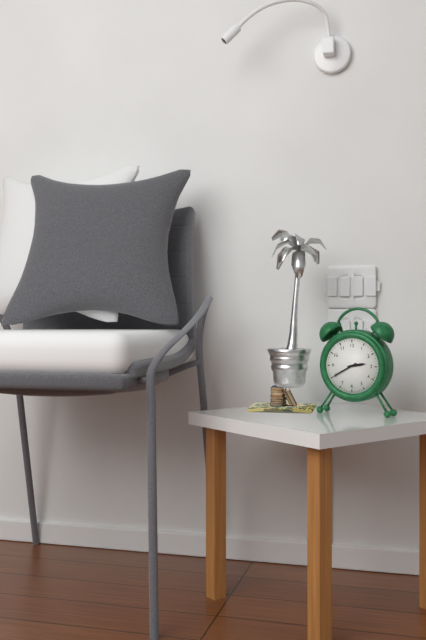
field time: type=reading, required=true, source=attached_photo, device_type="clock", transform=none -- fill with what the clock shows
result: 2:40
